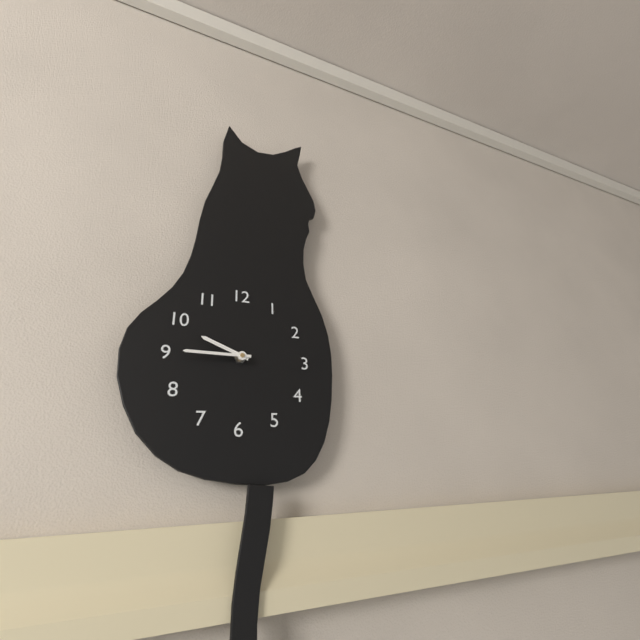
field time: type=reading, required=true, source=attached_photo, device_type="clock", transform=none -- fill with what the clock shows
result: 9:45
